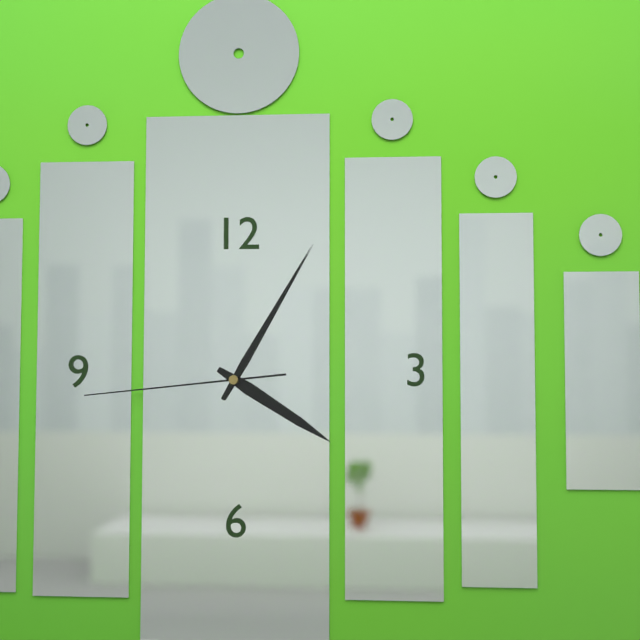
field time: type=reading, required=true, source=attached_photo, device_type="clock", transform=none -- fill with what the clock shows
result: 4:05:44
